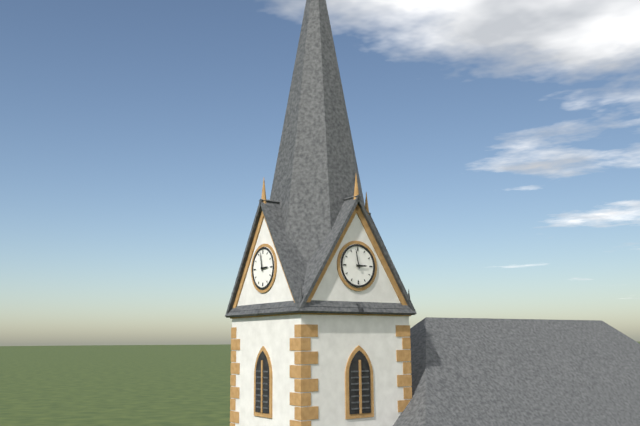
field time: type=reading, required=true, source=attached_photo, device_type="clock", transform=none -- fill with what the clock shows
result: 2:58
